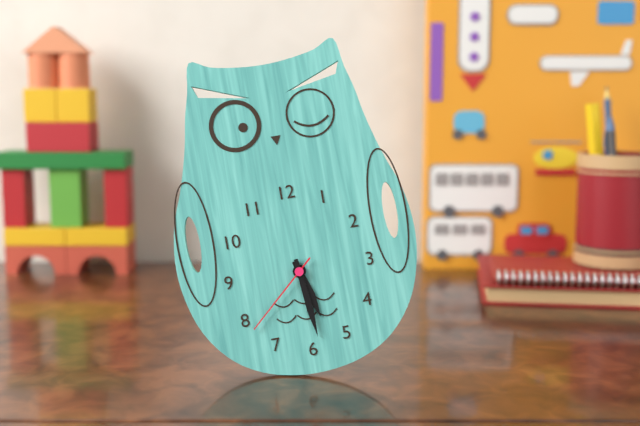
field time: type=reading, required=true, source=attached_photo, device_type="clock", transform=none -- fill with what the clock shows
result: 5:29:38
